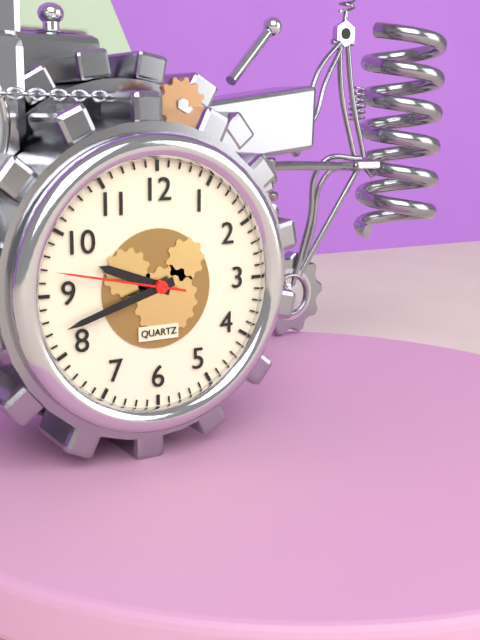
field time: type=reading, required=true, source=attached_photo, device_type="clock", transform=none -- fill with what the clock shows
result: 9:42:47
